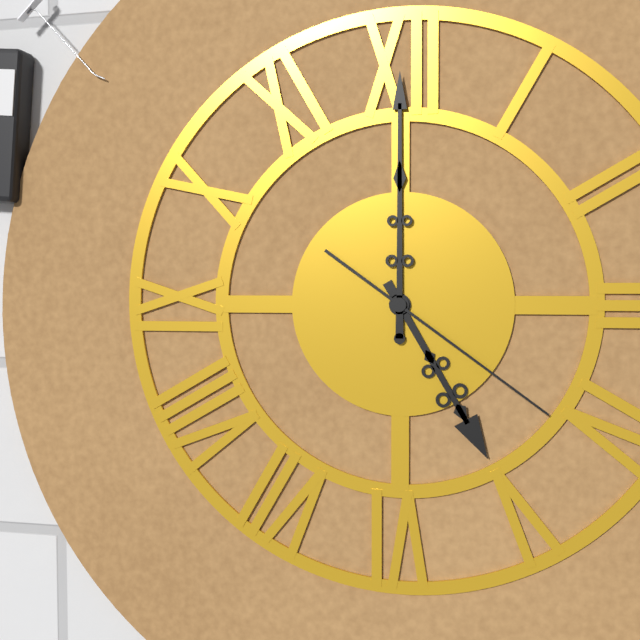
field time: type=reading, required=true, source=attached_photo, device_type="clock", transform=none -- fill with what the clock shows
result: 5:00:21
